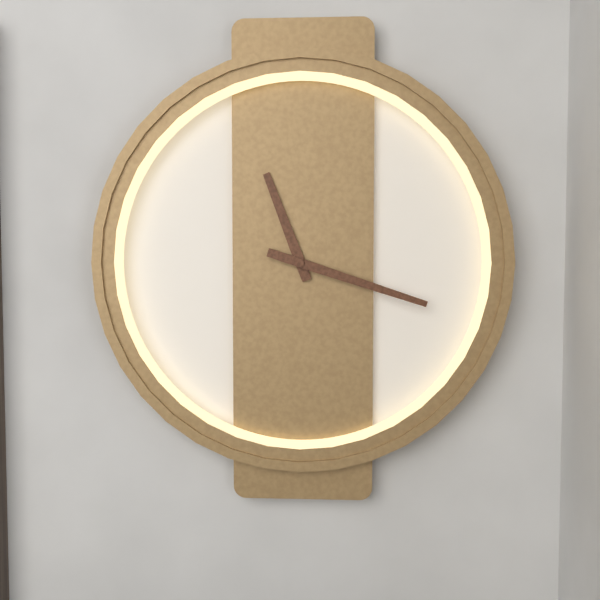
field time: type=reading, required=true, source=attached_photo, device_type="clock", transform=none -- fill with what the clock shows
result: 11:18
